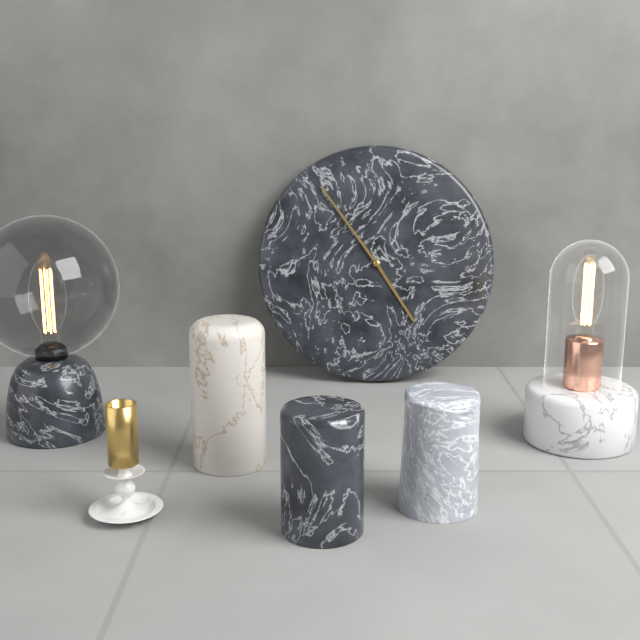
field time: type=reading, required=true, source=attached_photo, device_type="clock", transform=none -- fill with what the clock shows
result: 4:54
